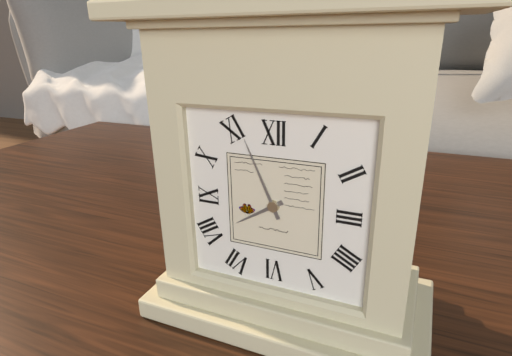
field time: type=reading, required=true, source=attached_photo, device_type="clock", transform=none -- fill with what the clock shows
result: 7:56
